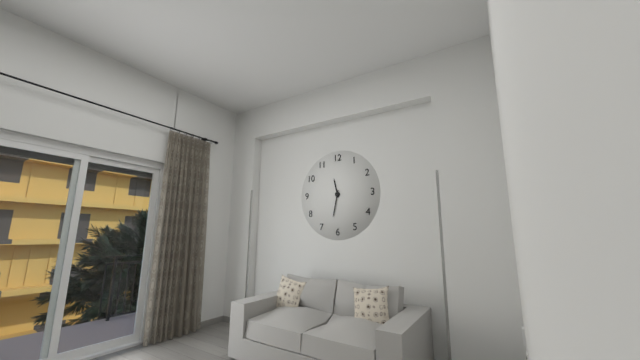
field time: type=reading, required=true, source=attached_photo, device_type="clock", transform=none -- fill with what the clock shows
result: 11:32
